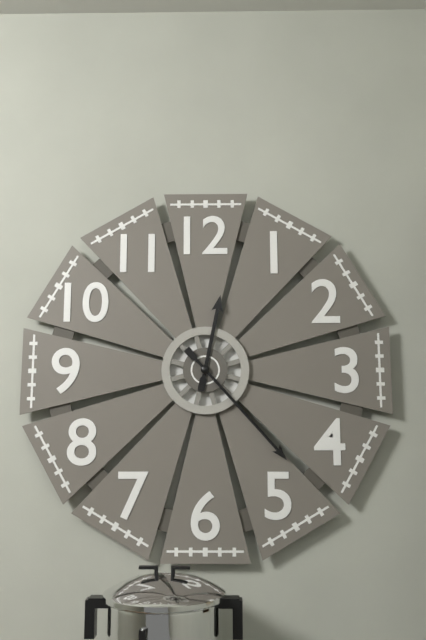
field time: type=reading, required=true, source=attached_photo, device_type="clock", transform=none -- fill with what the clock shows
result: 12:23
